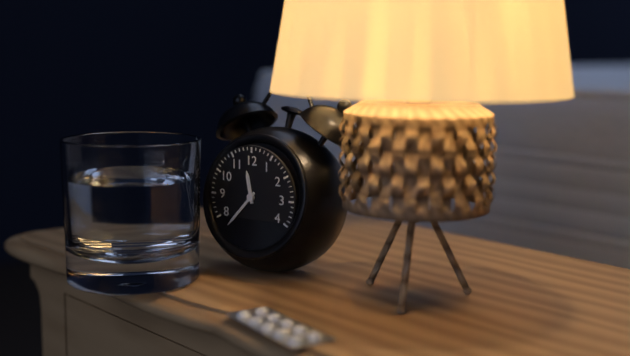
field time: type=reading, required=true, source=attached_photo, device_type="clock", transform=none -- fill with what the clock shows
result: 11:37
